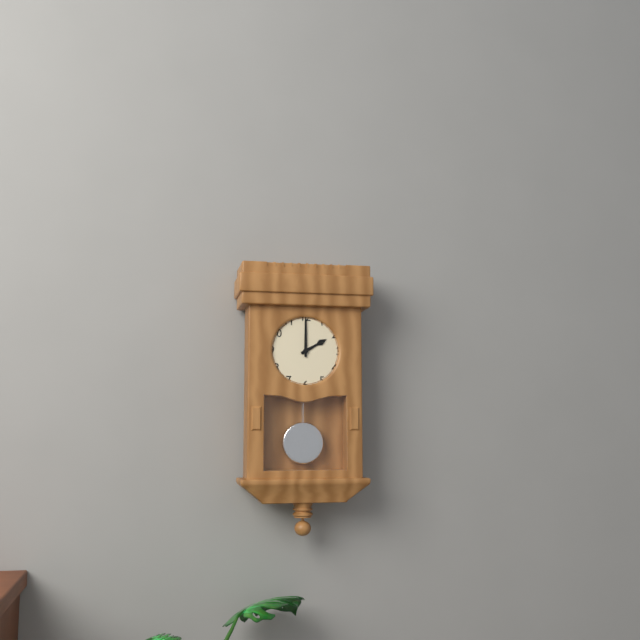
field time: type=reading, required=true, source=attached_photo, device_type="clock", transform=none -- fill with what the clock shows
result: 2:00
